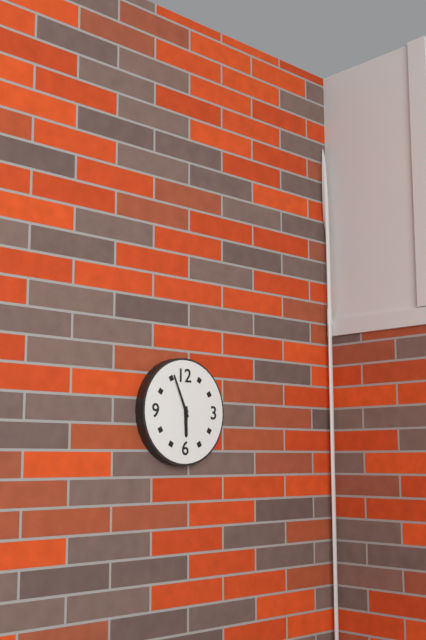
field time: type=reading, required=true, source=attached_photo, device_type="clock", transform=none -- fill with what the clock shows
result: 5:56
